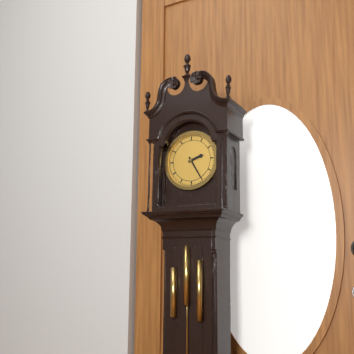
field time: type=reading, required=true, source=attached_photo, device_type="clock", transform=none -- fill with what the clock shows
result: 2:25
